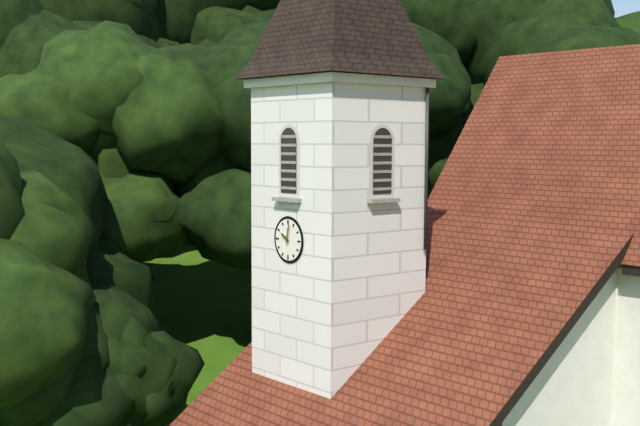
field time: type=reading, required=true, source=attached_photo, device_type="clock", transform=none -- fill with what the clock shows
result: 10:02
